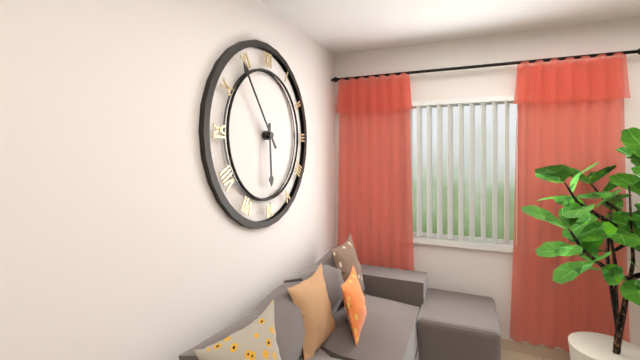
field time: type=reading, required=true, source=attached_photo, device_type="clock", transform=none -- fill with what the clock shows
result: 5:54
